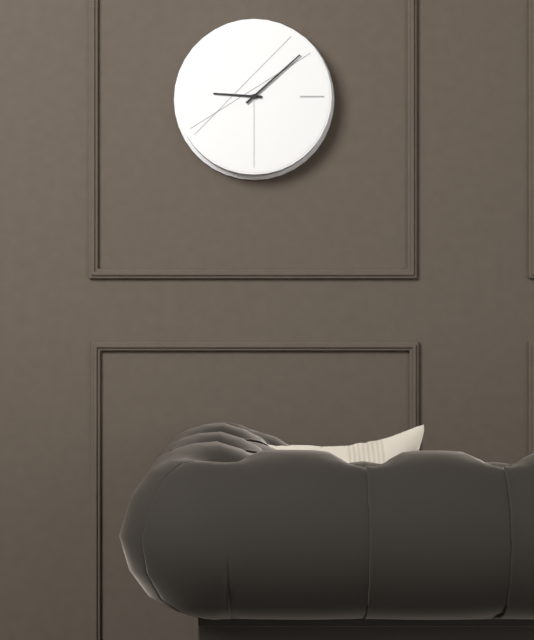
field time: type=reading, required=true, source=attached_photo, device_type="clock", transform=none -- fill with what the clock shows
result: 9:08
